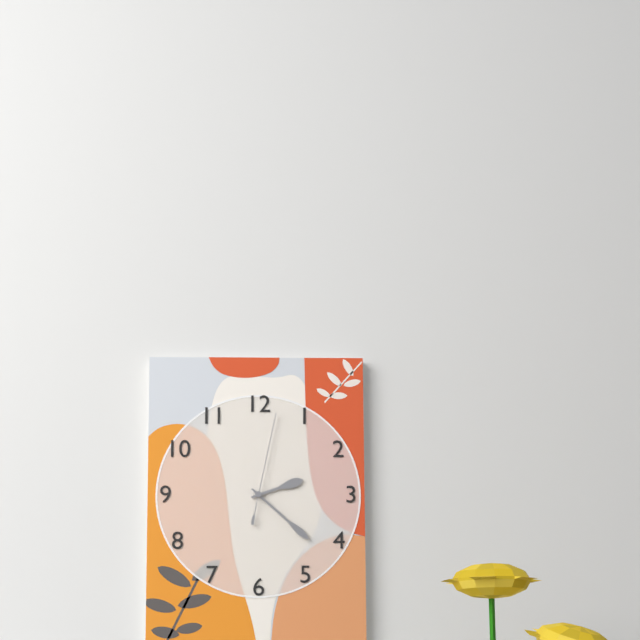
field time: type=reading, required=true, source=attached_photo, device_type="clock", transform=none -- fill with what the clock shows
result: 2:22:02
